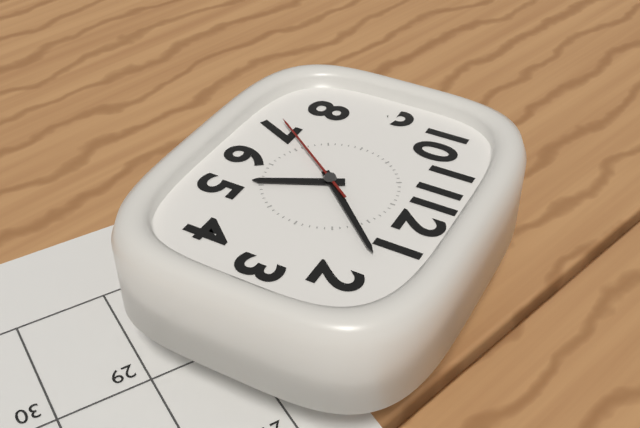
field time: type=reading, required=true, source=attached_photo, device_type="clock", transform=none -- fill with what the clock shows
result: 5:07:36
